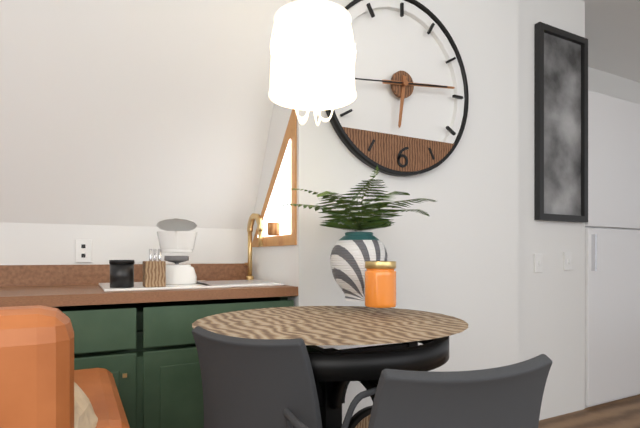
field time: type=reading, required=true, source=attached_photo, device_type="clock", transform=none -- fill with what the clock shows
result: 6:14:44
